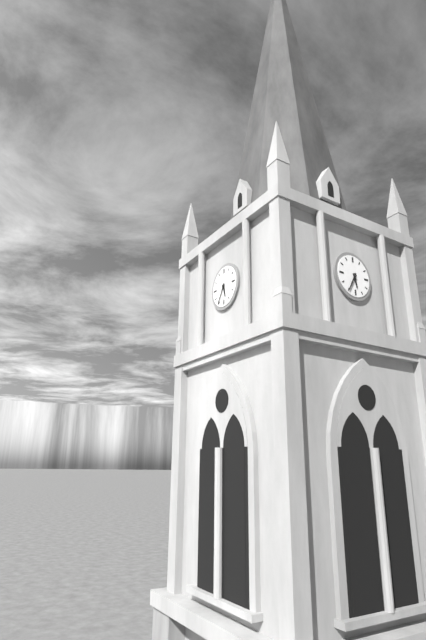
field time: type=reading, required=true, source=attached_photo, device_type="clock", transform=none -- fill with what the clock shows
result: 5:35
